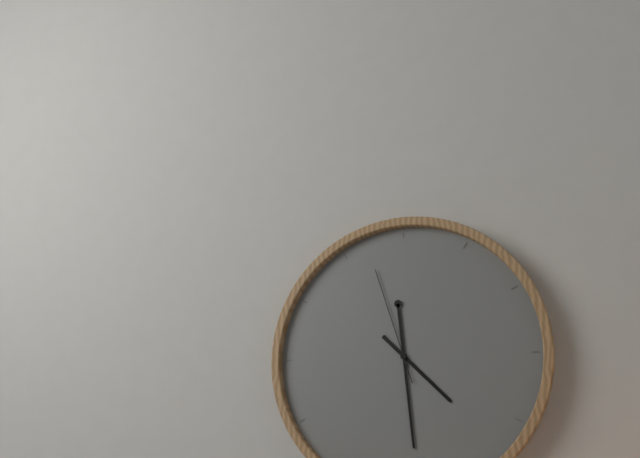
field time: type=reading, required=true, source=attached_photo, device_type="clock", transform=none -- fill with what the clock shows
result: 4:29:57
